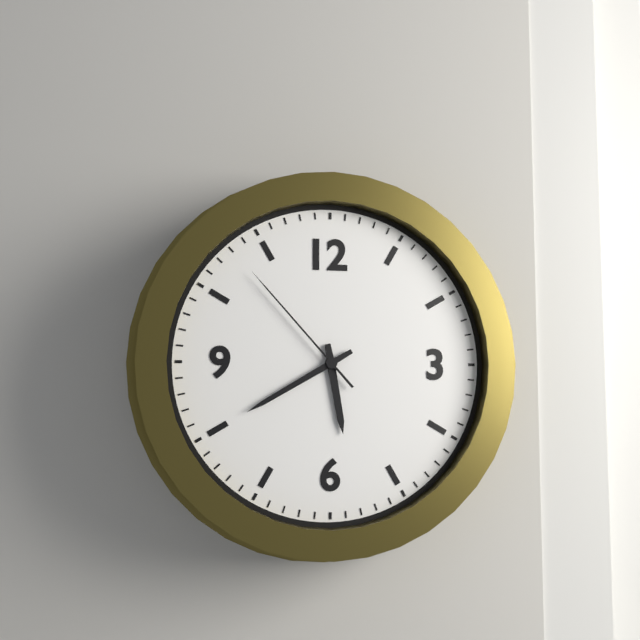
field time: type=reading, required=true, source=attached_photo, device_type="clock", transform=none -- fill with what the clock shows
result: 5:40:53
